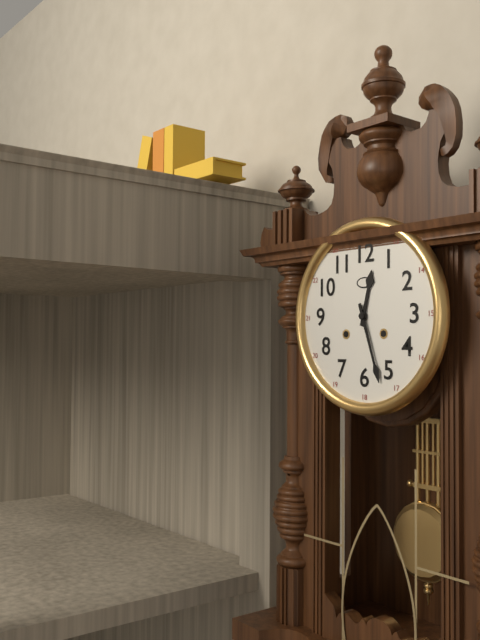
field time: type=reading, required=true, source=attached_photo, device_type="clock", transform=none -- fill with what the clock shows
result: 12:27
